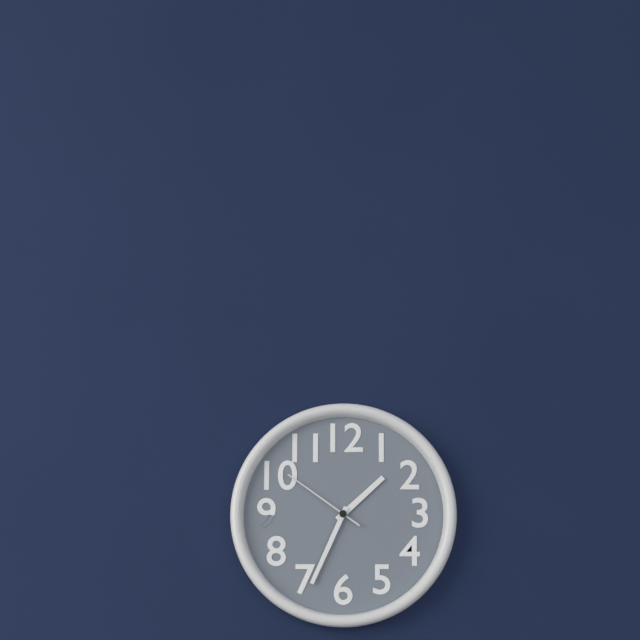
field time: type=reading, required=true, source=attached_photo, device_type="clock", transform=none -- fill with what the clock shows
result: 1:34:51
